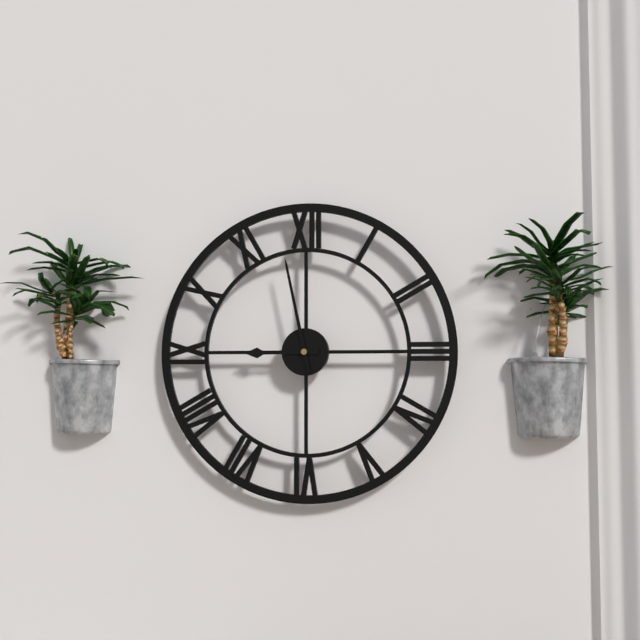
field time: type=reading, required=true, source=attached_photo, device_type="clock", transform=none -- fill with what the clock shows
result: 8:58
